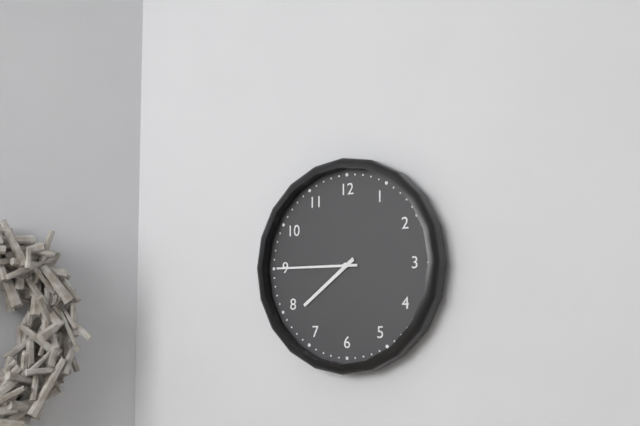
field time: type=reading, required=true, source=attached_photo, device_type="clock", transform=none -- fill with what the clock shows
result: 7:45
